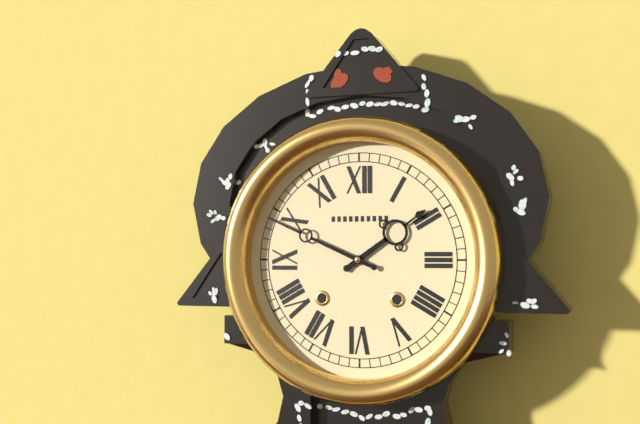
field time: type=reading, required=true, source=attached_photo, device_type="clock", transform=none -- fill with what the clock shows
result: 1:49
